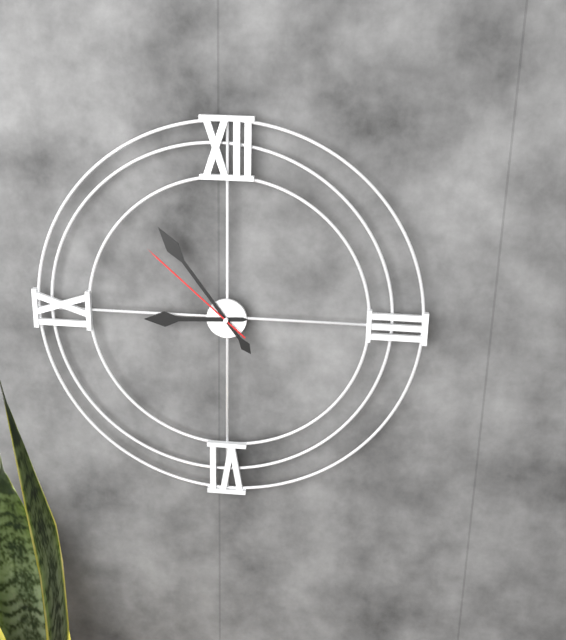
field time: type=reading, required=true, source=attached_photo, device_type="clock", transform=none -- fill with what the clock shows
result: 8:54:52
